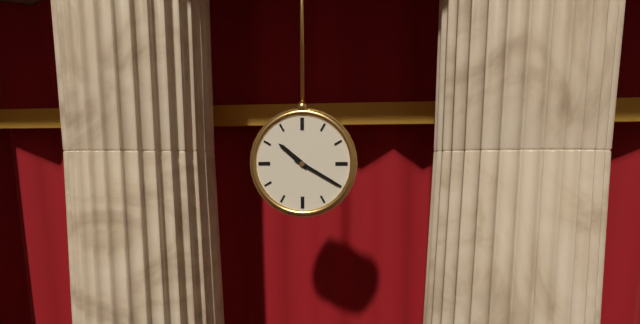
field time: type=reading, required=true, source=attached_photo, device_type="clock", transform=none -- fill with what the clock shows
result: 10:20
